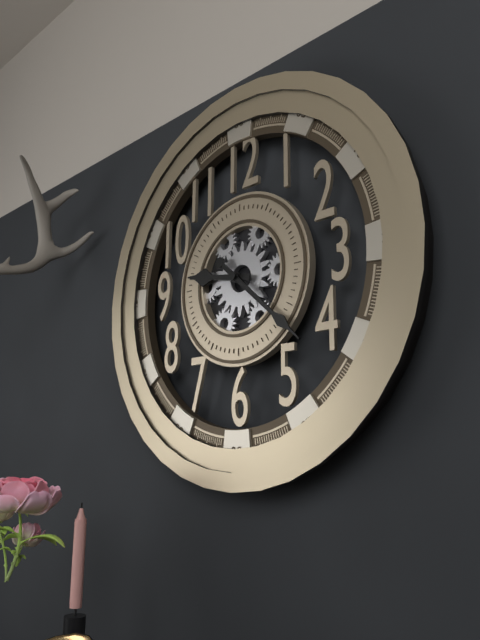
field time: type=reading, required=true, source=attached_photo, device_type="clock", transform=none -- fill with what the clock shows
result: 9:22
